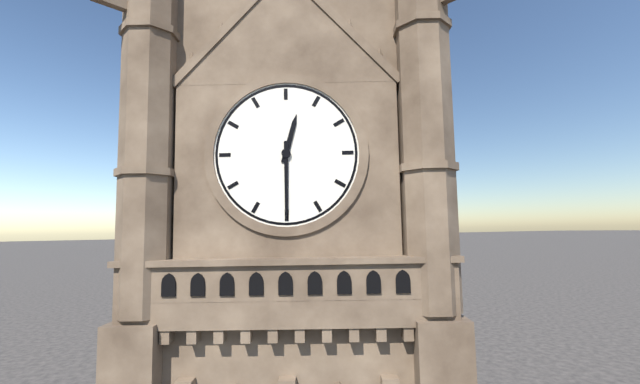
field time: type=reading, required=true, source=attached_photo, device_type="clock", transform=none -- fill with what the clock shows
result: 12:30
